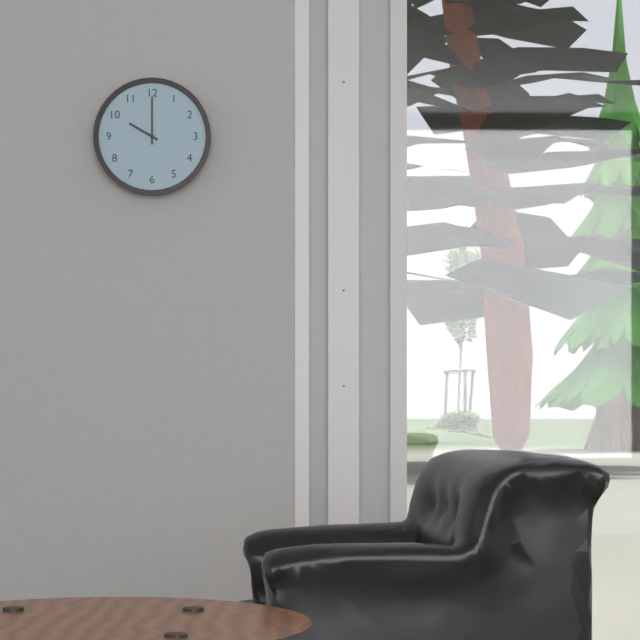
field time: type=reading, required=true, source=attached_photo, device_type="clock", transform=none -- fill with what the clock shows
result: 10:00
